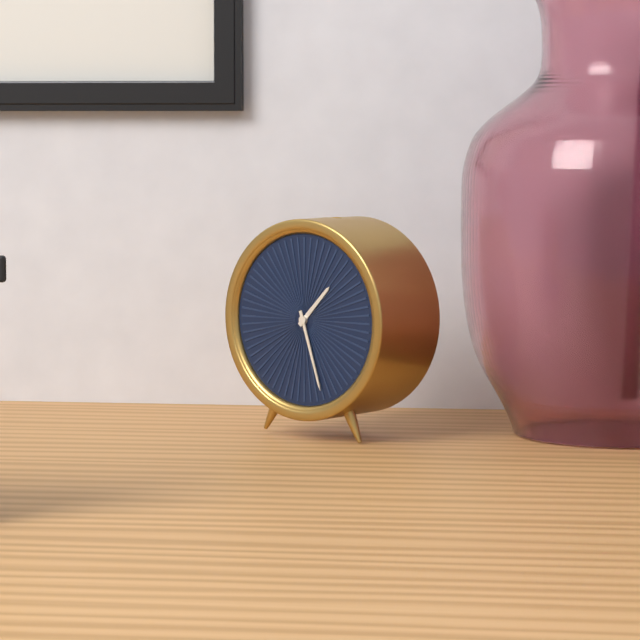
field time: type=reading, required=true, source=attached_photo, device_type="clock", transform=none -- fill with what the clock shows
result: 1:27
